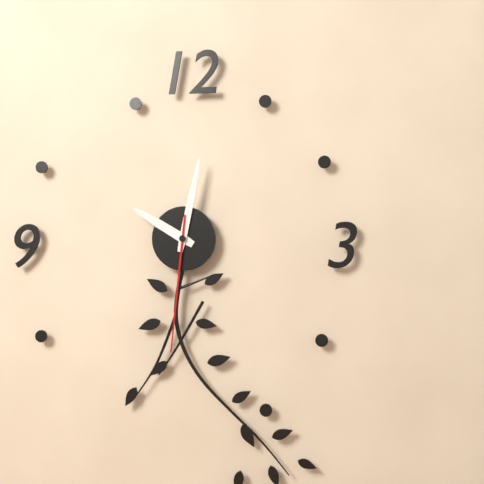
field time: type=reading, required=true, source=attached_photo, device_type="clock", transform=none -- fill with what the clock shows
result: 10:02:31
